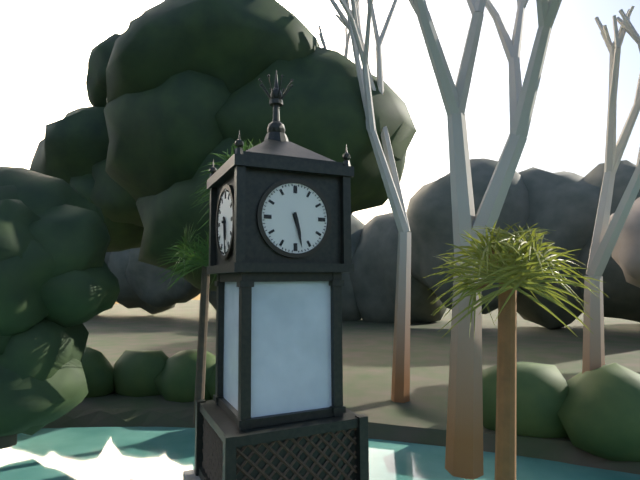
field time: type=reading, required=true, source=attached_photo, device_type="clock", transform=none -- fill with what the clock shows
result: 5:28
